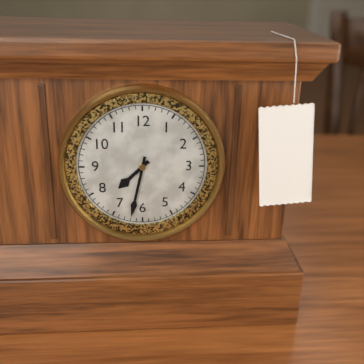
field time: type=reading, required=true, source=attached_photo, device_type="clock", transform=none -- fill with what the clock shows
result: 7:32
